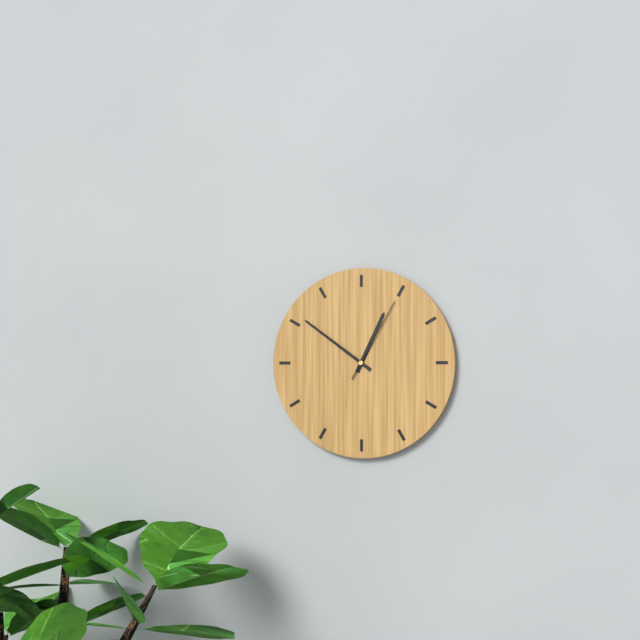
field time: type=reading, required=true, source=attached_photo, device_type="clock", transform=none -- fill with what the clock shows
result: 12:51:05
